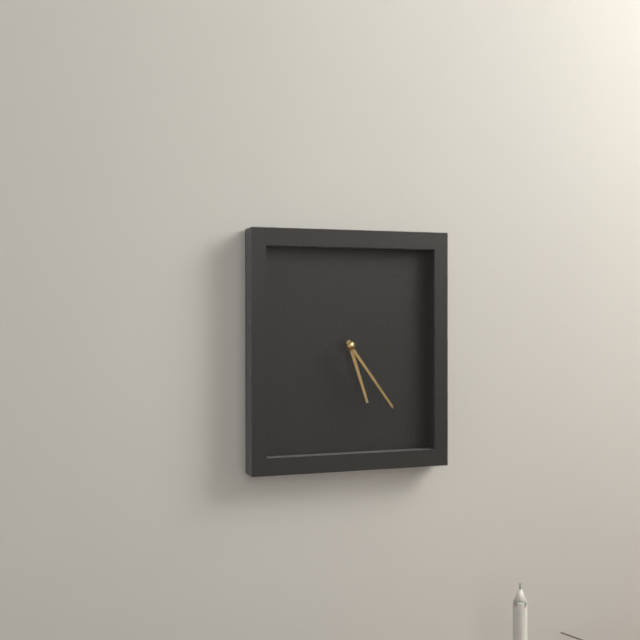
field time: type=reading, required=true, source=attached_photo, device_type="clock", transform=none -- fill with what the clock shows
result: 5:24
